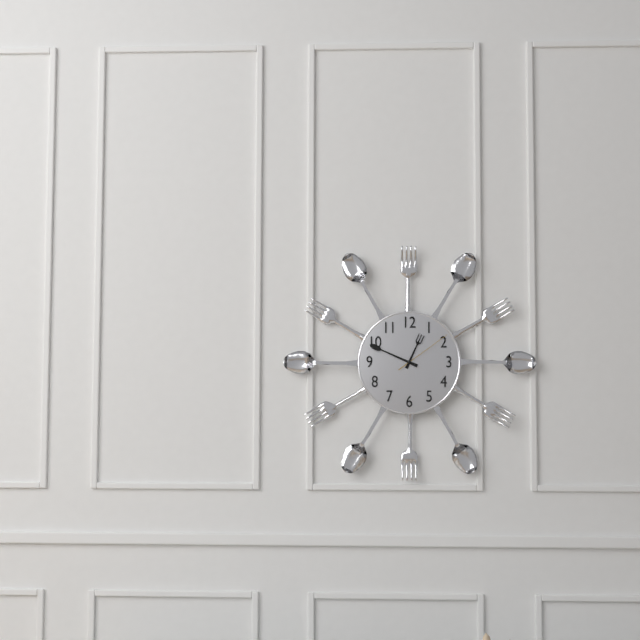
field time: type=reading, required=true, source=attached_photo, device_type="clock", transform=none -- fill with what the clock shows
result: 12:49:09
